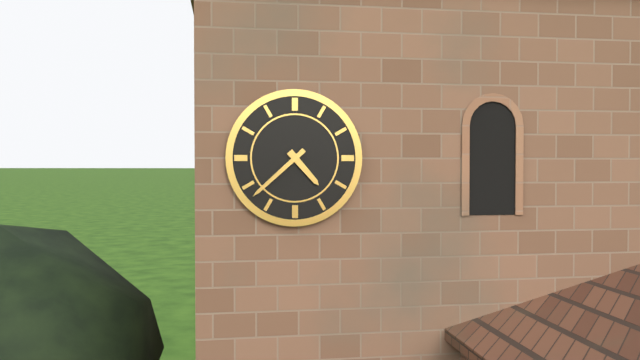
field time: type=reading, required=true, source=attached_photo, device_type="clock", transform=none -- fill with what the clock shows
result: 4:38
